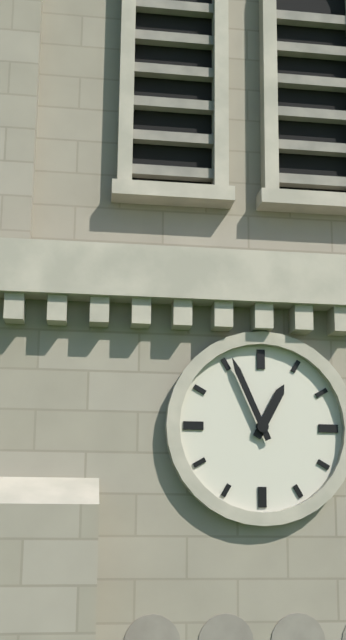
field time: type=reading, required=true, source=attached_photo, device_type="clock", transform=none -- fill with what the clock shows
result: 12:56
